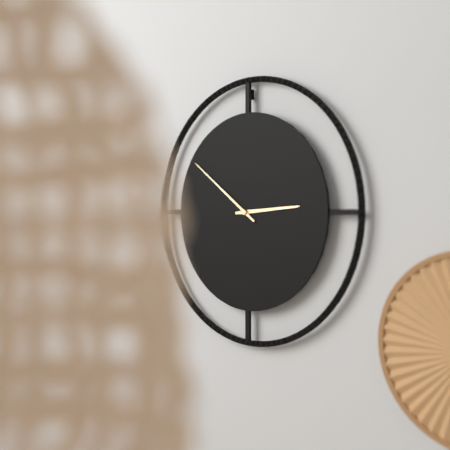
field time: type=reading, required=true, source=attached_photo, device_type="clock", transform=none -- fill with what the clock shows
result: 2:51
